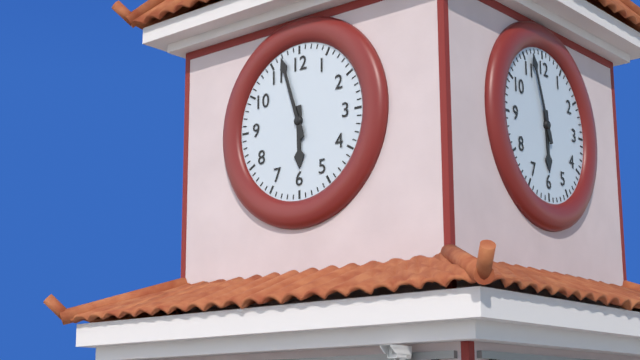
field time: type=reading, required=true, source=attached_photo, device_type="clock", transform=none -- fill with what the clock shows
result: 5:57
